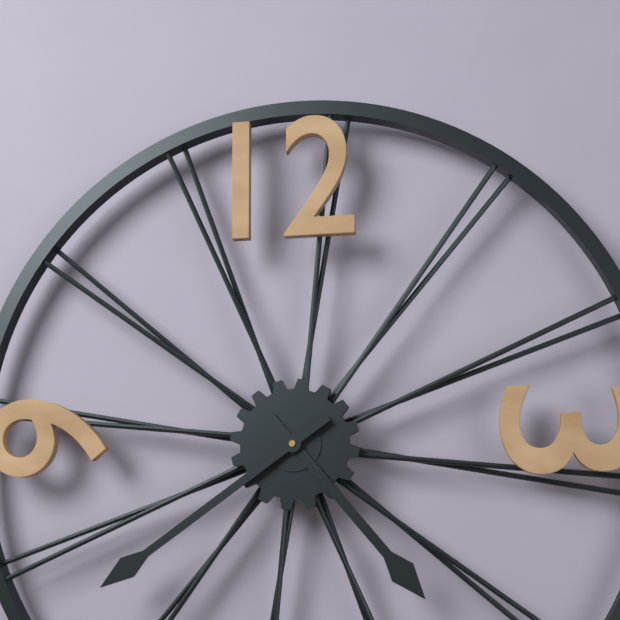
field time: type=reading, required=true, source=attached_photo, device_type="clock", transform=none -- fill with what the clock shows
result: 4:39
